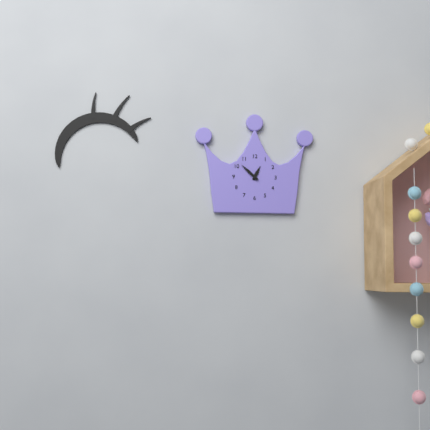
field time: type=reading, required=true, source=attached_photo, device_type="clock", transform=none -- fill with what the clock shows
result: 12:52
